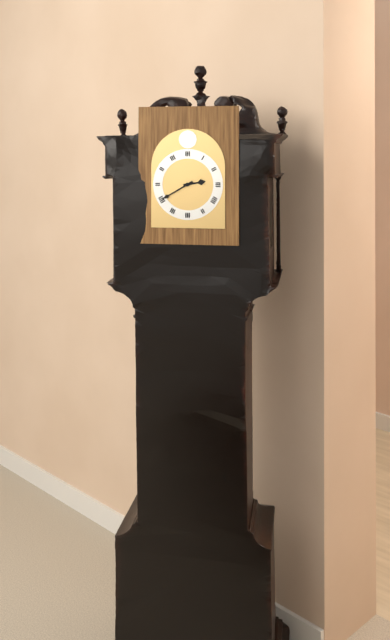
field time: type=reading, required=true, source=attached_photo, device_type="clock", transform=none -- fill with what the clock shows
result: 2:40
